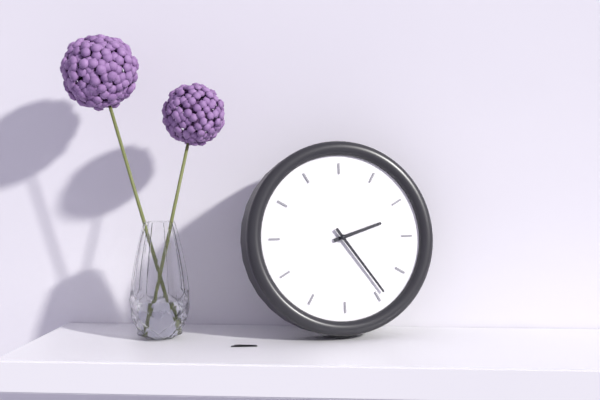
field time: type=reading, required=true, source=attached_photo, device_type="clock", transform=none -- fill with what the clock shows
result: 2:24
